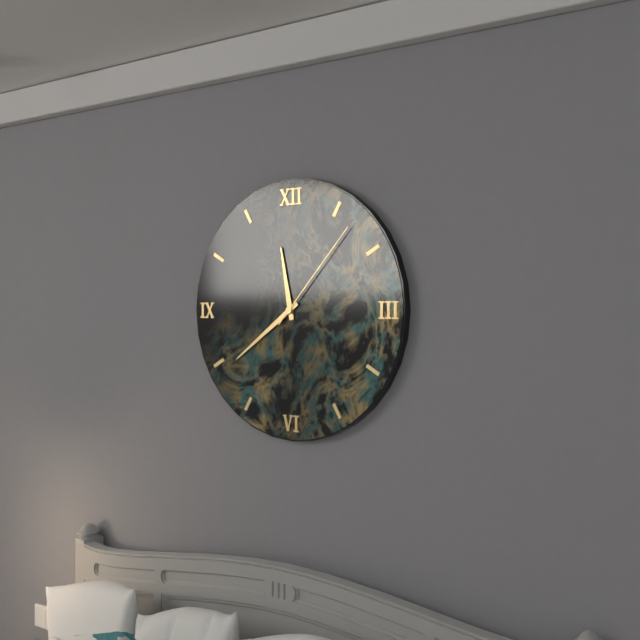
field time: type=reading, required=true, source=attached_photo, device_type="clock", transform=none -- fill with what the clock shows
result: 11:39:07
